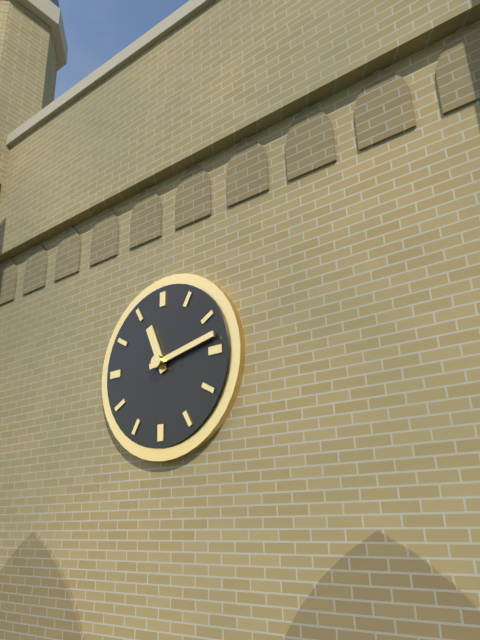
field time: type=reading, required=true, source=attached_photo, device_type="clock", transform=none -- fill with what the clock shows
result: 11:13
